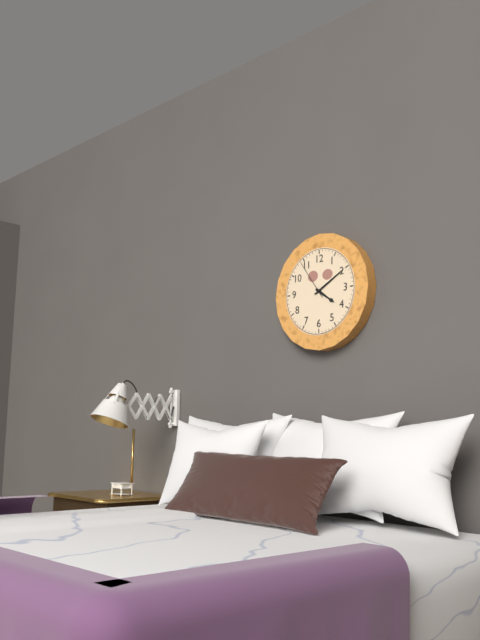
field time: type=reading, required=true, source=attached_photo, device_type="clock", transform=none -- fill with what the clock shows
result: 4:10
